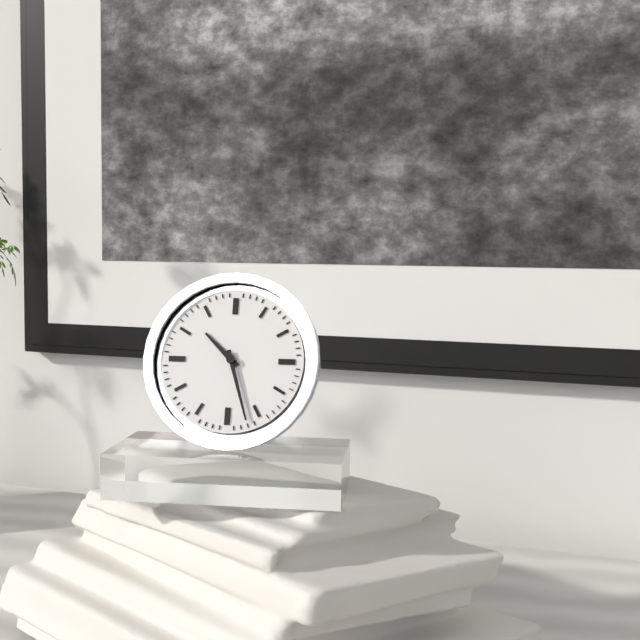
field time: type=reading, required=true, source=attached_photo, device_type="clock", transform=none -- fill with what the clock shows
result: 10:27
